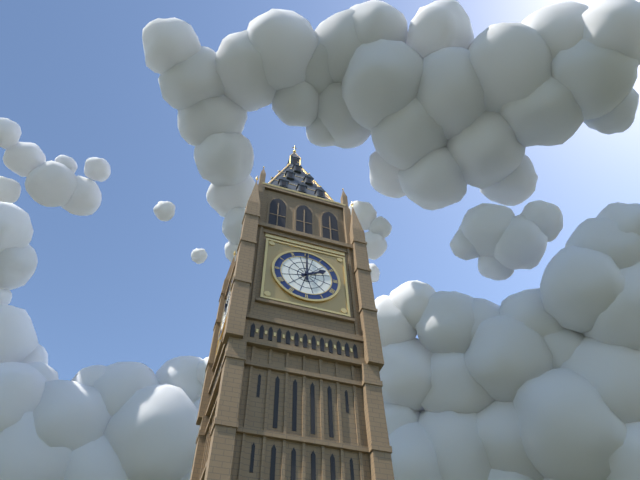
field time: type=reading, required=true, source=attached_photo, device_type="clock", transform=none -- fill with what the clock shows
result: 2:00
